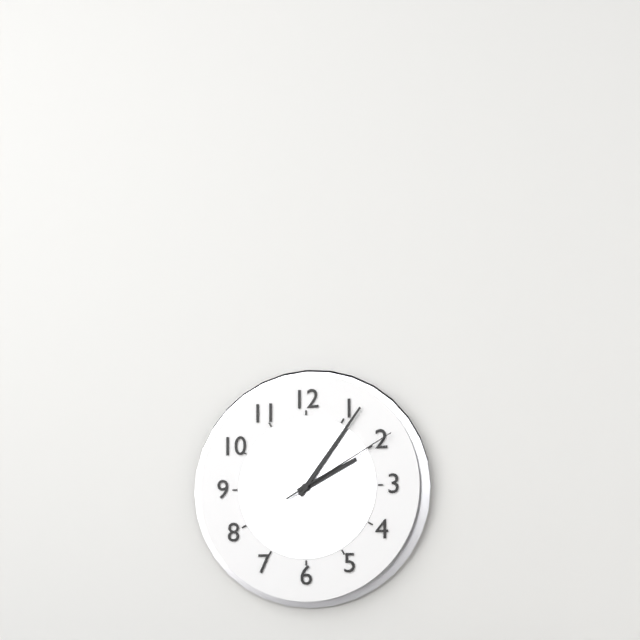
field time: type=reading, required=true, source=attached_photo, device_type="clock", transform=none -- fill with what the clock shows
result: 2:06:10
